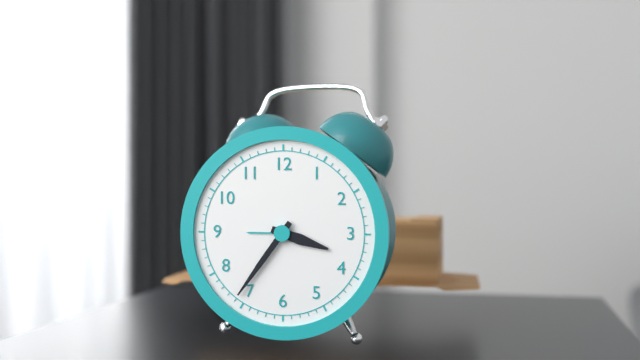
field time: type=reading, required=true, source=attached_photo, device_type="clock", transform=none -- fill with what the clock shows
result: 3:36
